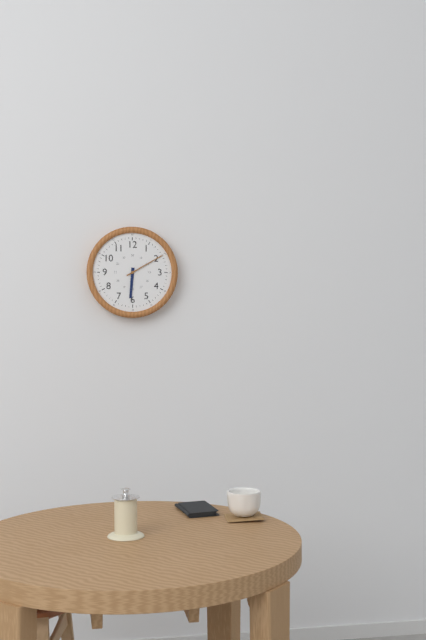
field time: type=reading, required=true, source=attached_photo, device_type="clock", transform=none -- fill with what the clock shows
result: 6:10
